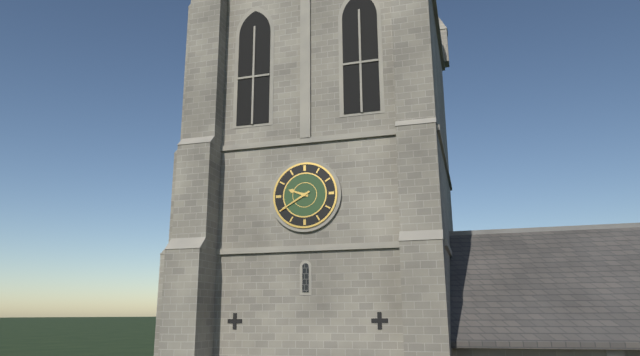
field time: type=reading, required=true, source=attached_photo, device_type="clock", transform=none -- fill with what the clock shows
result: 9:40
